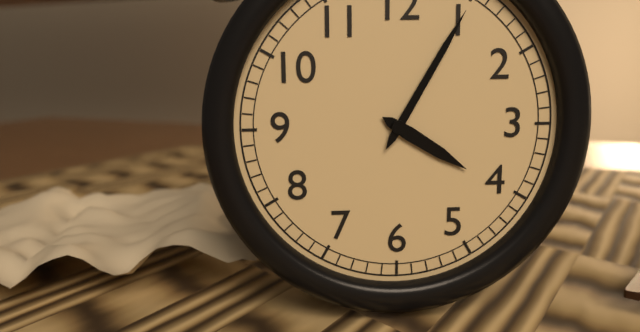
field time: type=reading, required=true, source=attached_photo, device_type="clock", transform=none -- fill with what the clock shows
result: 4:05
